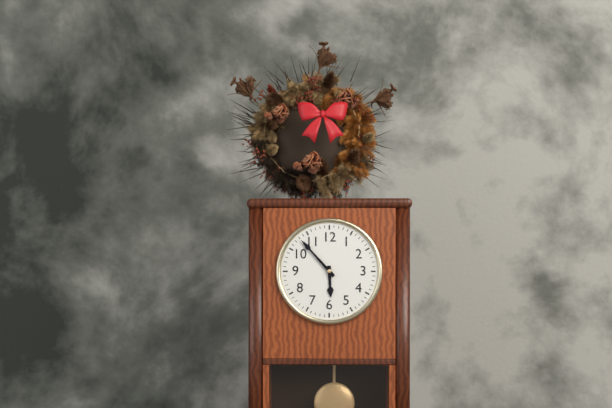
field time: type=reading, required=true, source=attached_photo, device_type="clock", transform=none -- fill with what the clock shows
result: 5:53
